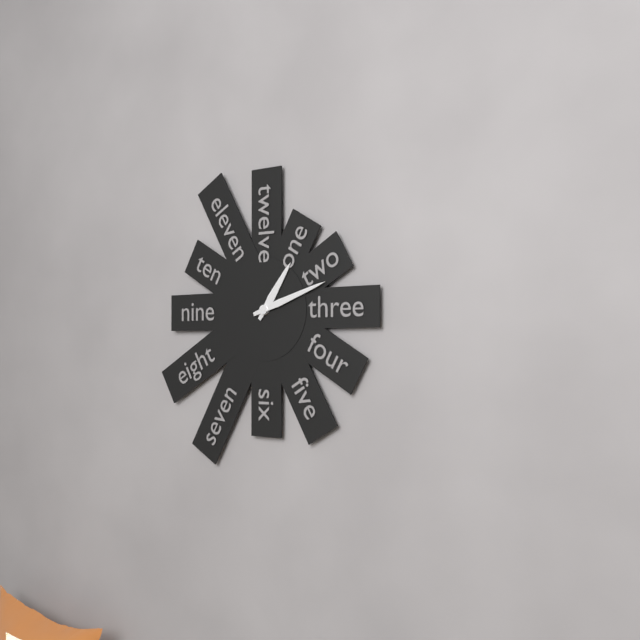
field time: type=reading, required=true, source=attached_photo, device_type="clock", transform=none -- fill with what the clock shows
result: 1:12
